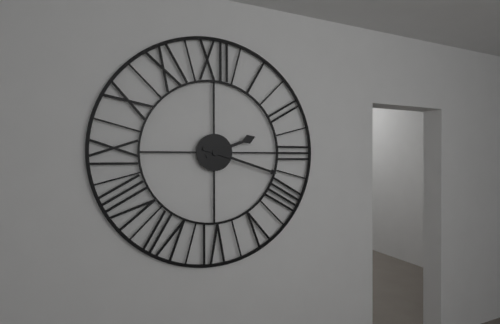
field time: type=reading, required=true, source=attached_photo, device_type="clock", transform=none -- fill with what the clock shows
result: 2:18
